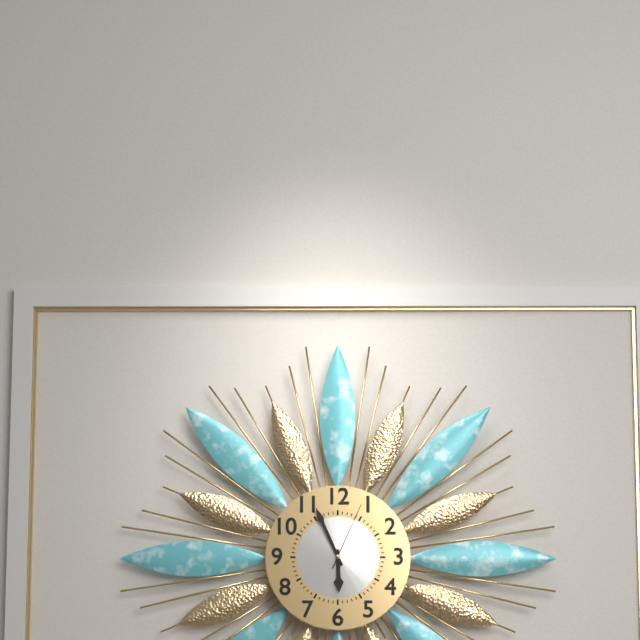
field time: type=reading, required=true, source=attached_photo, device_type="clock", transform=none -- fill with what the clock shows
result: 5:56:04
